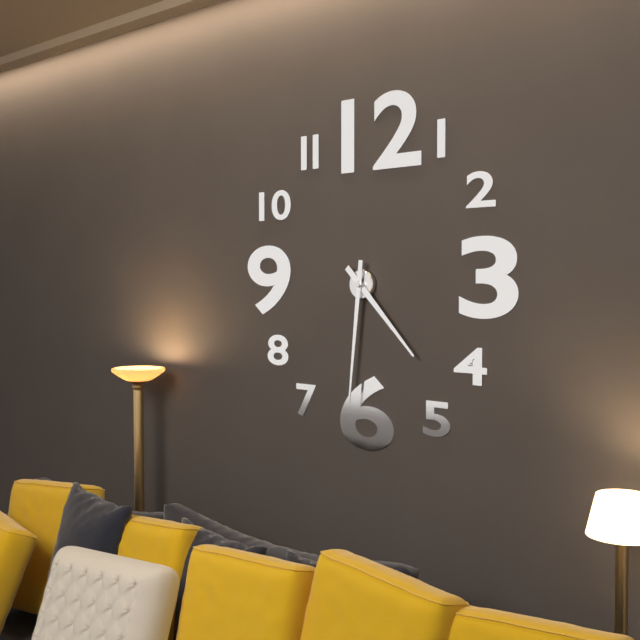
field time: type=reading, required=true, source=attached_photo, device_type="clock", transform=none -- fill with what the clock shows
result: 4:31
